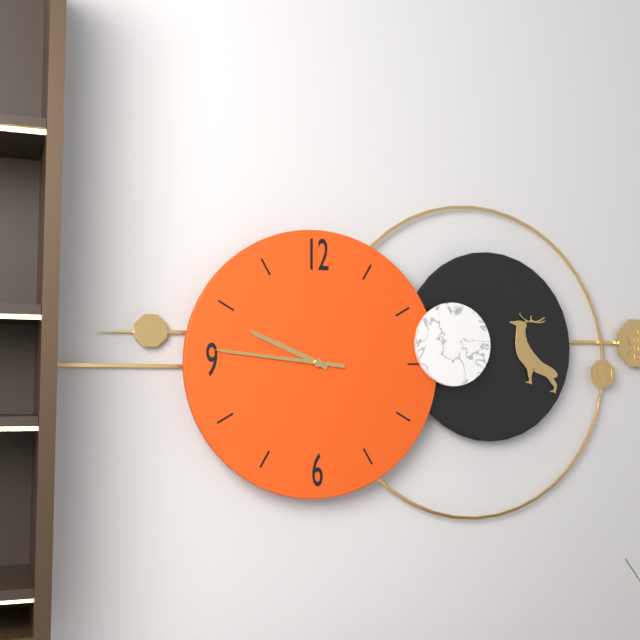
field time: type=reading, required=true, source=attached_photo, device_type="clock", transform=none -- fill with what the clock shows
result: 9:46
